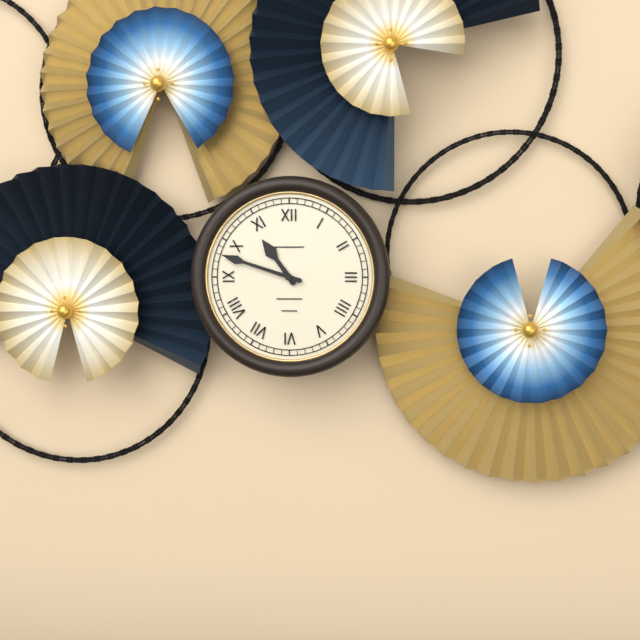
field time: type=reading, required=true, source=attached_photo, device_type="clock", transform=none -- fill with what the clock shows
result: 10:48
